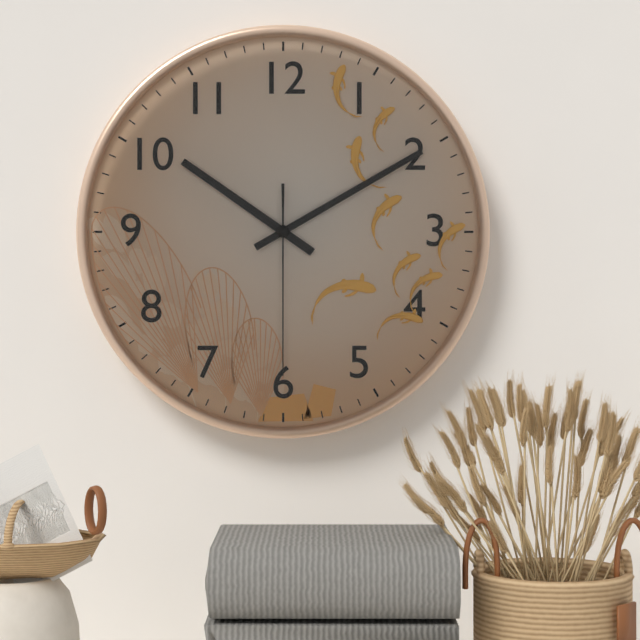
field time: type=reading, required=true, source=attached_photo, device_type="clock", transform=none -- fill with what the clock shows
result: 10:10:30
